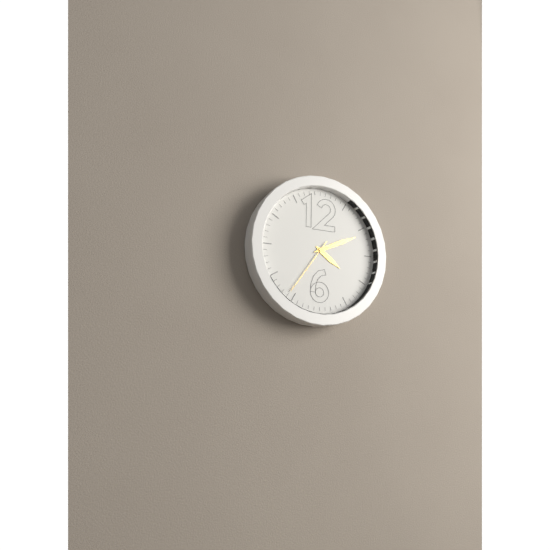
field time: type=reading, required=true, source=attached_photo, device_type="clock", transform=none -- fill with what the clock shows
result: 4:11:36
